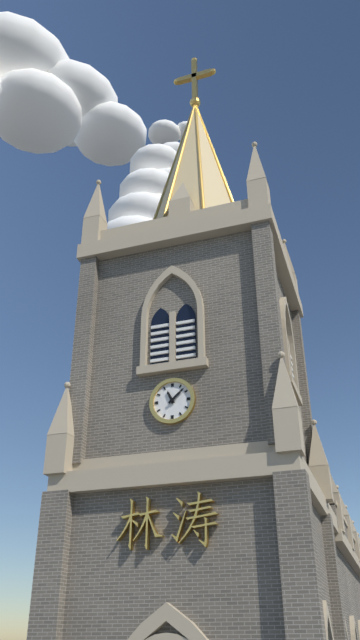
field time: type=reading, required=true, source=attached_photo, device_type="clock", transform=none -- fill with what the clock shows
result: 11:08
